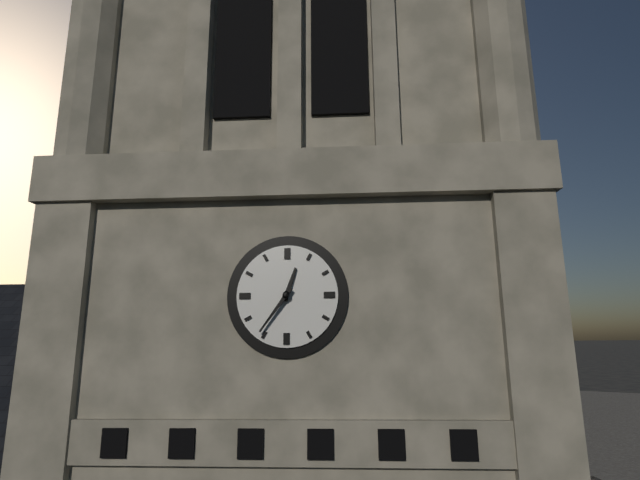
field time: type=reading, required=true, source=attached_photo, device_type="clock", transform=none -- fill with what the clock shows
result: 12:36
